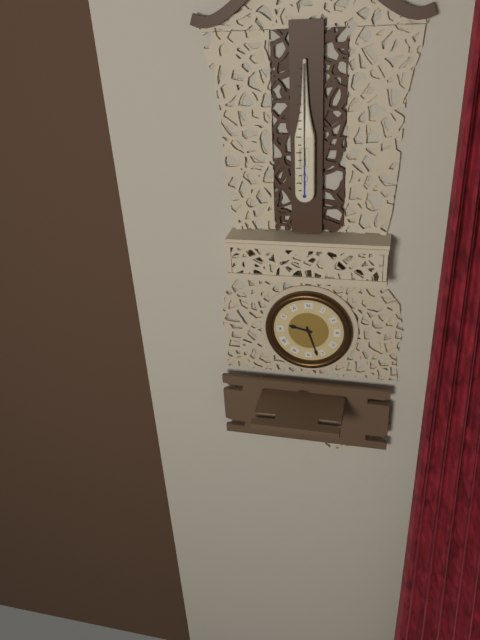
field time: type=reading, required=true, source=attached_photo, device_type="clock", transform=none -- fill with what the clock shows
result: 9:27
